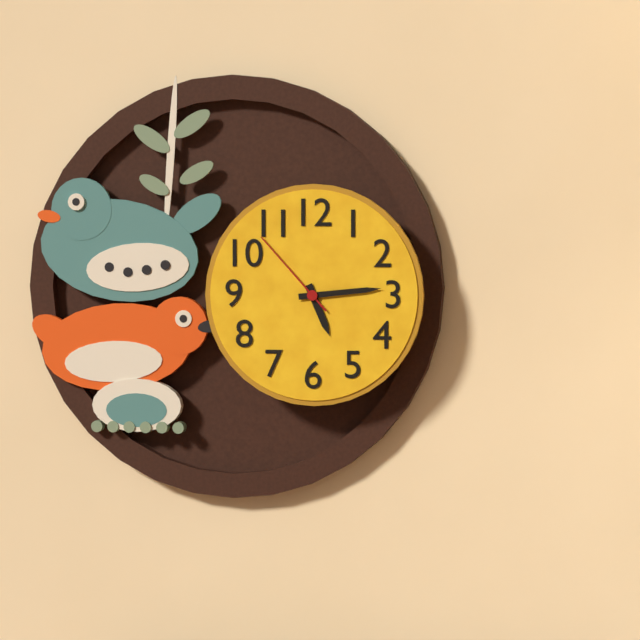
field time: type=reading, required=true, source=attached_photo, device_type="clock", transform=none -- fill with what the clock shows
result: 5:14:53
